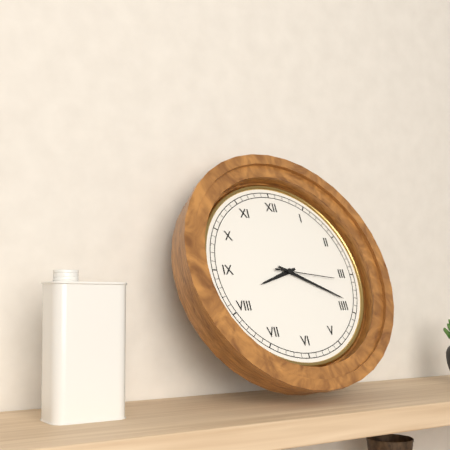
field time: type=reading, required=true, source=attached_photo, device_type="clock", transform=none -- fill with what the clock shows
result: 8:19:16
